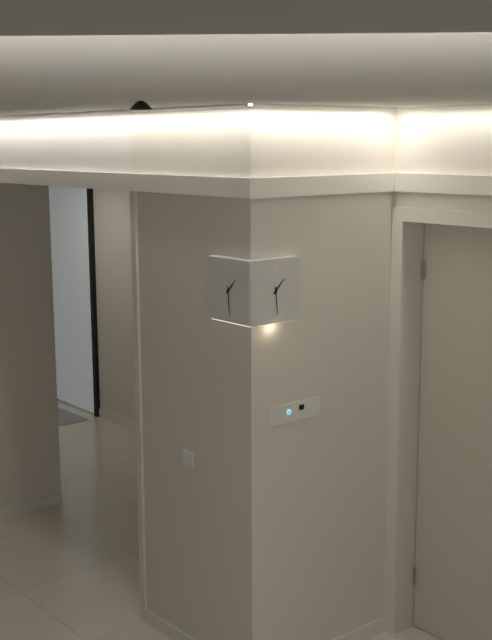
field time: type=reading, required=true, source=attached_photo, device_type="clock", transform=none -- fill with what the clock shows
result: 1:29
